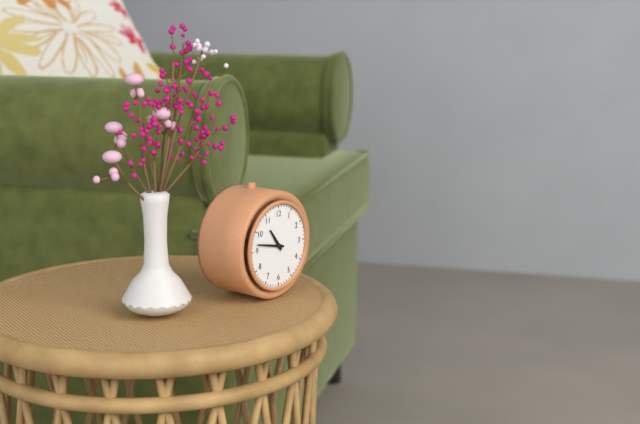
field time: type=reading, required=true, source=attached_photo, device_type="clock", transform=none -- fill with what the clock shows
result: 10:47
